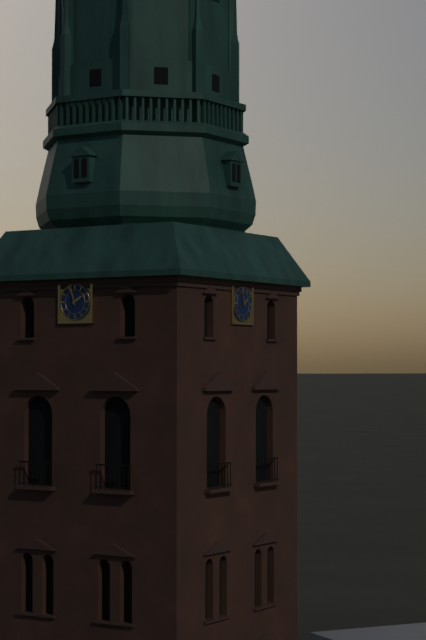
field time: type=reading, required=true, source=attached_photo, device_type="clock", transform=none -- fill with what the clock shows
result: 1:57
